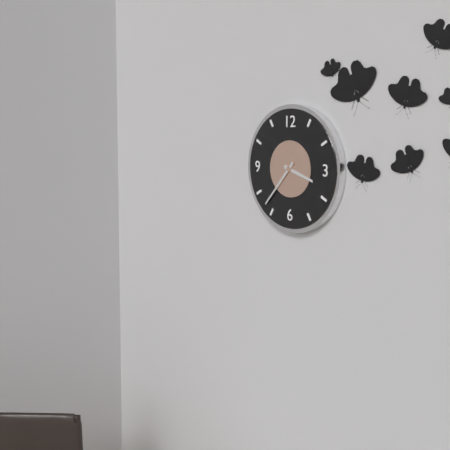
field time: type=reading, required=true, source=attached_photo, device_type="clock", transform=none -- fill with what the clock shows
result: 3:37
